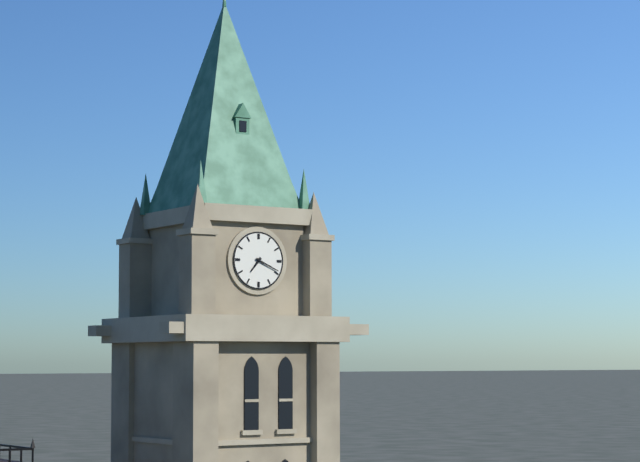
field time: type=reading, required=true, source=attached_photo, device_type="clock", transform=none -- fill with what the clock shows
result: 7:19
